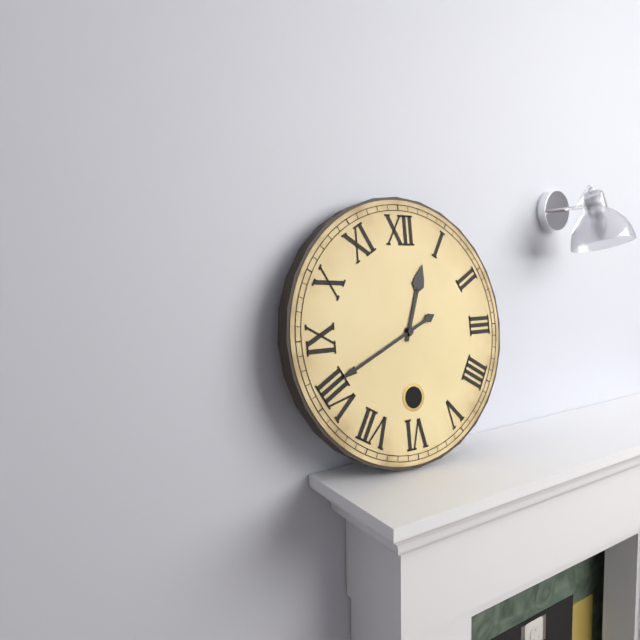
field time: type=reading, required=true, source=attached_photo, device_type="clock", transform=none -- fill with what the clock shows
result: 12:41
